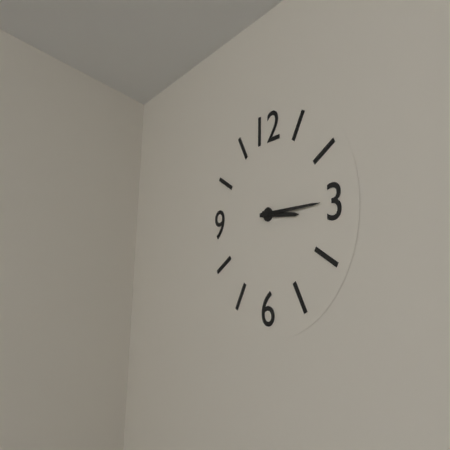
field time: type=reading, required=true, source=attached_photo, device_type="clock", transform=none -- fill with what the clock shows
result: 3:15
